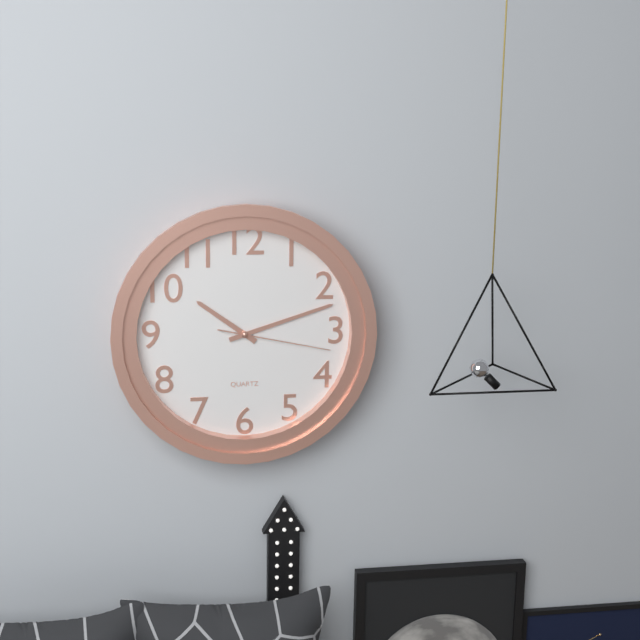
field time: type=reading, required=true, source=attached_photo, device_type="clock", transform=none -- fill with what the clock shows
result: 10:12:17
